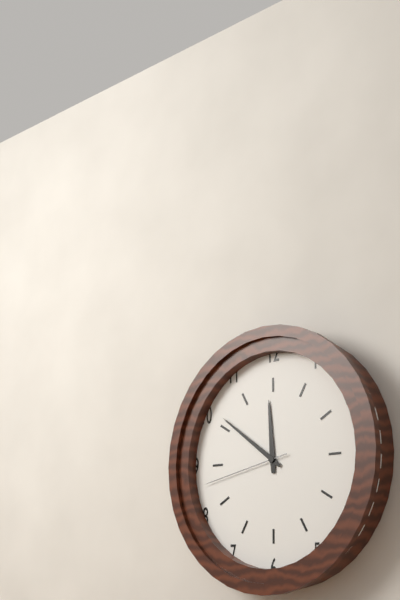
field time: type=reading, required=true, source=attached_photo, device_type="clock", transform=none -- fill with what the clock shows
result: 11:51:43
